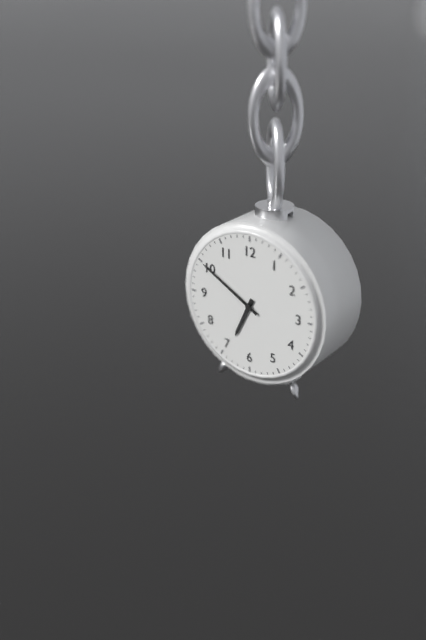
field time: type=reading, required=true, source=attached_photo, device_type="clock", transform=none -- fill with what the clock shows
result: 6:50
